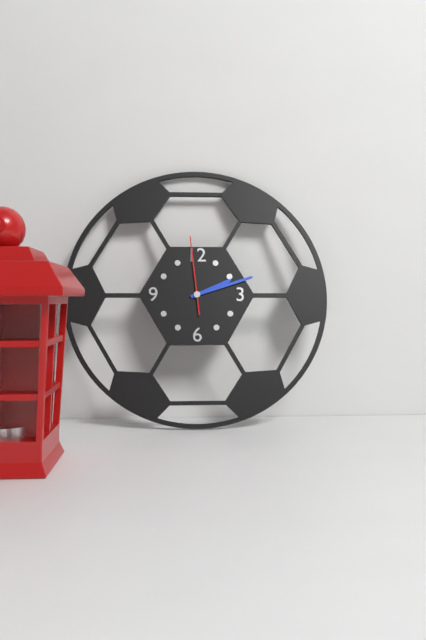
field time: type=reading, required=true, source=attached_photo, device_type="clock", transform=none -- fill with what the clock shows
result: 2:12:59
